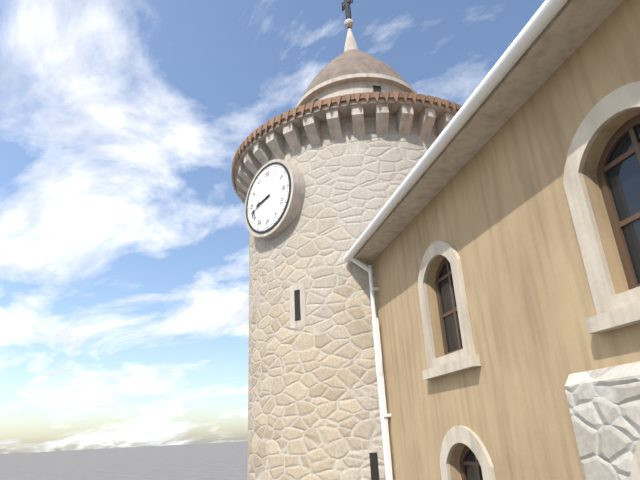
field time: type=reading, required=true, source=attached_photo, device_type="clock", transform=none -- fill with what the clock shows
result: 8:42
